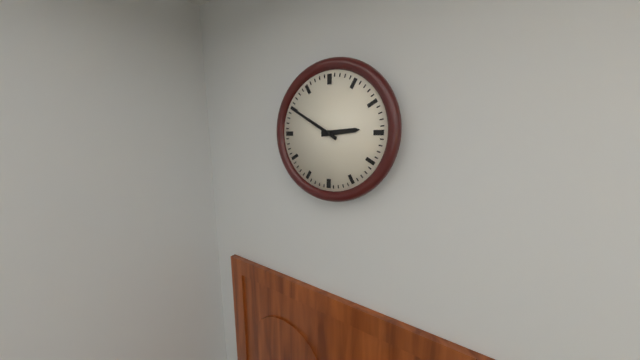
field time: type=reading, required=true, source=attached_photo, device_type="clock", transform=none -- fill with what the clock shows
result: 2:50
